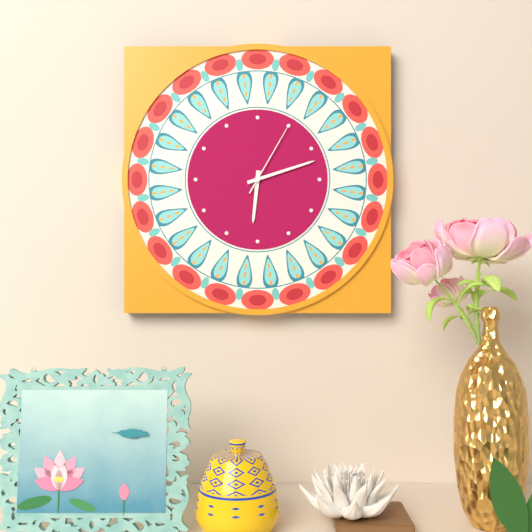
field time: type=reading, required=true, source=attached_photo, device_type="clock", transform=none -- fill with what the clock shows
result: 6:12:05
